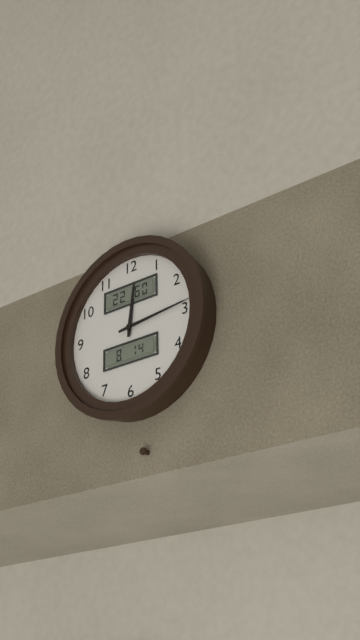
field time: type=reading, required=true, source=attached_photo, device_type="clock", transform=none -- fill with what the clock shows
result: 12:14
